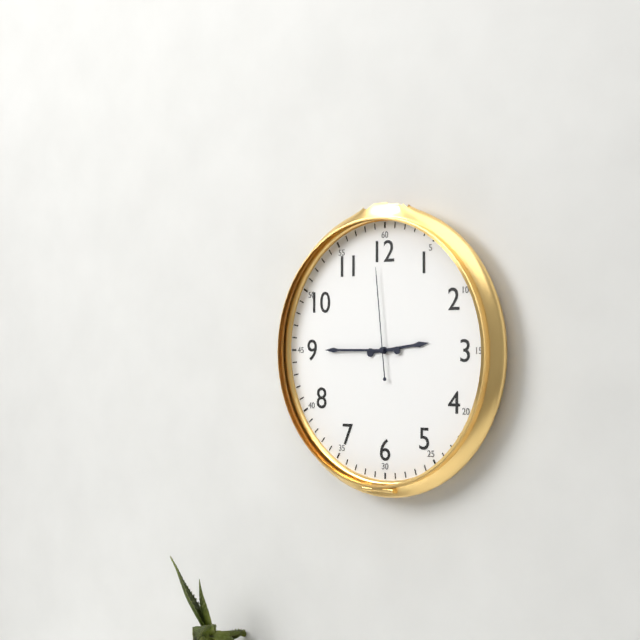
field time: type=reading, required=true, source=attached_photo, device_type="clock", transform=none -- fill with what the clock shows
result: 2:45:59
